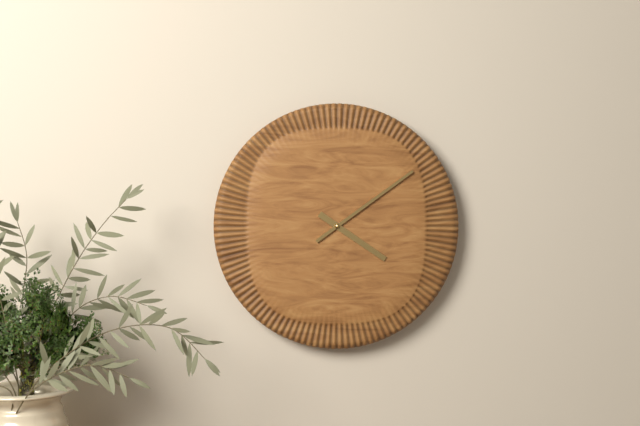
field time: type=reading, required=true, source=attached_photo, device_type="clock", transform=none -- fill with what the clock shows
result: 4:09
